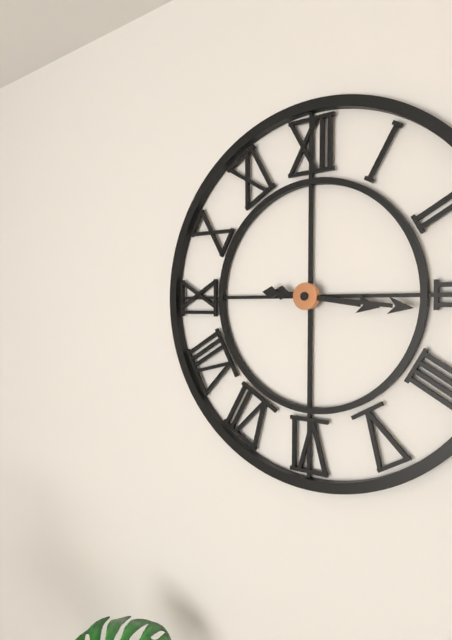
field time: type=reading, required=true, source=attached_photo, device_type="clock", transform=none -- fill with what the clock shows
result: 3:16
